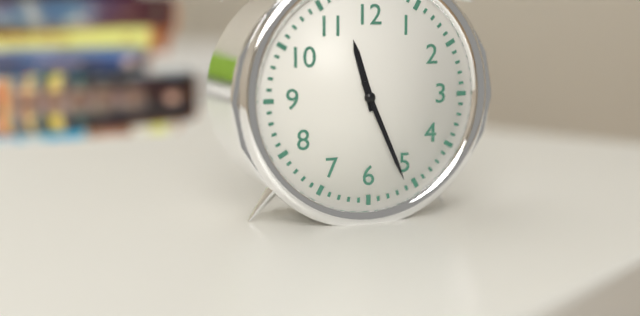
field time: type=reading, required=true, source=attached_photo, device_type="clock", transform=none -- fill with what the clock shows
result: 11:26
